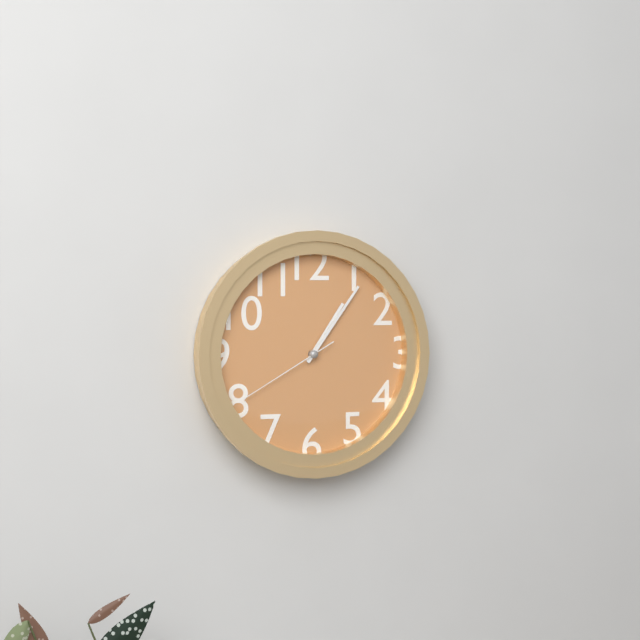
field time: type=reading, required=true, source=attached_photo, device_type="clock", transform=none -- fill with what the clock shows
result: 1:06:40
